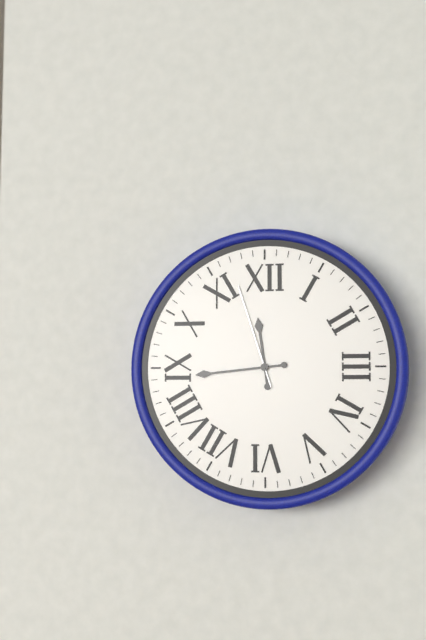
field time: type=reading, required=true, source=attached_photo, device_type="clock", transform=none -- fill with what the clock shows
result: 11:44:57
